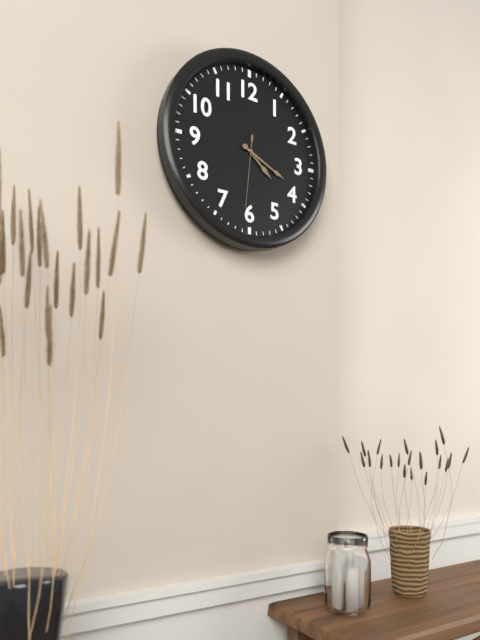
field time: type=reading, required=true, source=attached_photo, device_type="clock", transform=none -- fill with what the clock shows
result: 4:19:31
